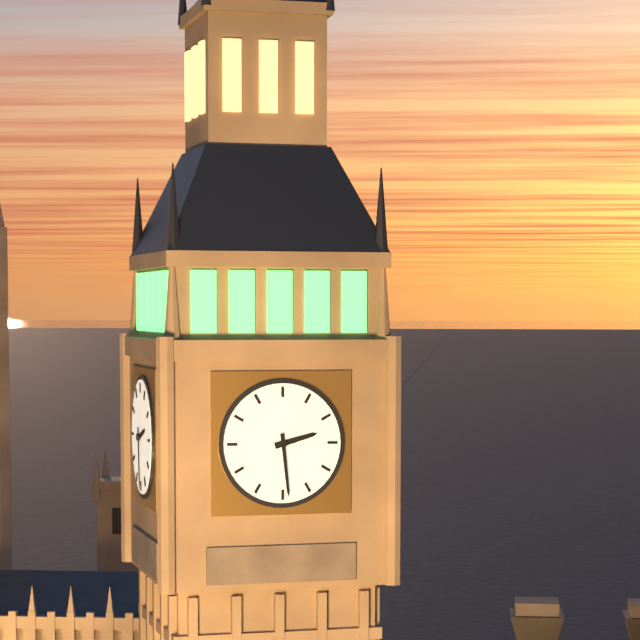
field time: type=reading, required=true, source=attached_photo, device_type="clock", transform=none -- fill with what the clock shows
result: 2:29
